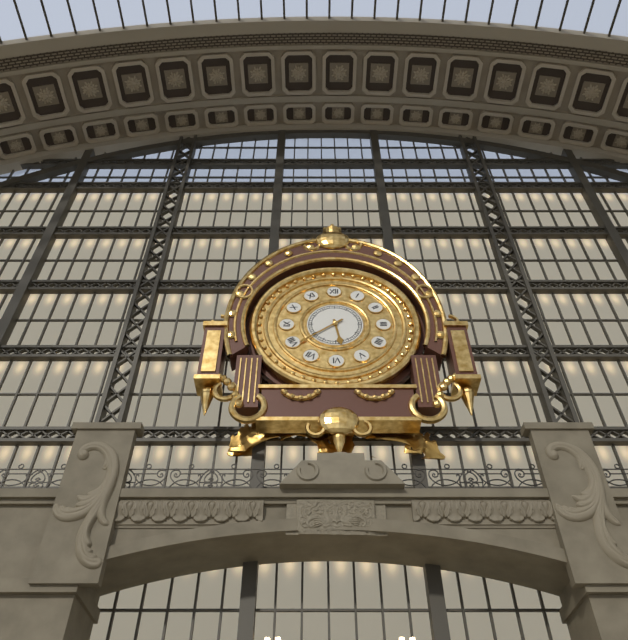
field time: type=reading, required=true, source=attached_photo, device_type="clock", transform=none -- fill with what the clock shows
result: 5:39
